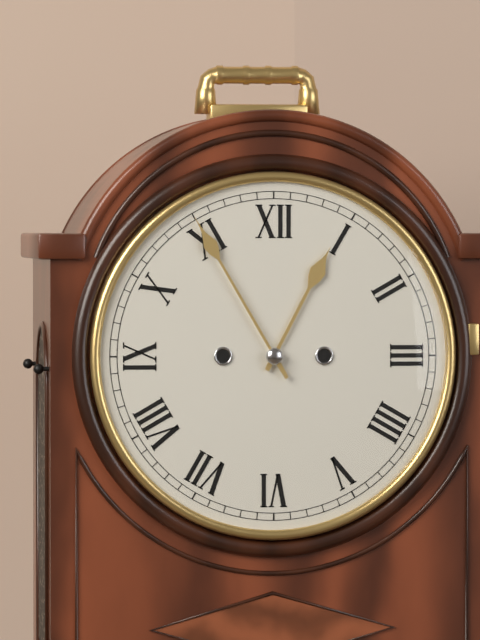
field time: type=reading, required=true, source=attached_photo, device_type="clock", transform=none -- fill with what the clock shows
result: 12:55
